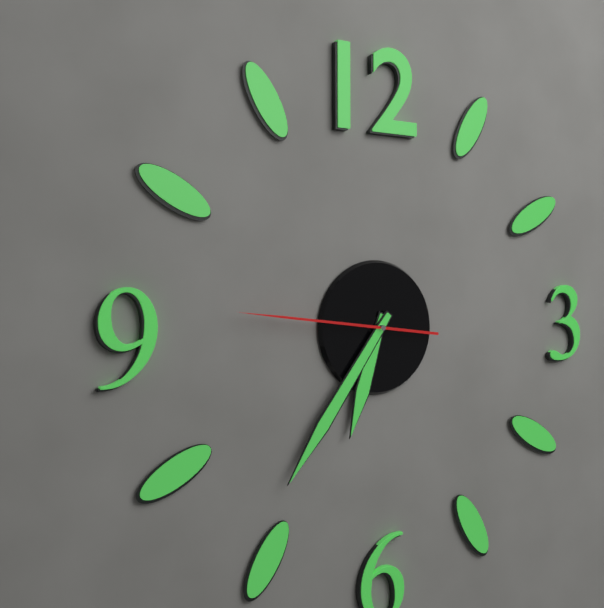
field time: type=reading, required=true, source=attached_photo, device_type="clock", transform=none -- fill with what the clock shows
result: 6:36:46
